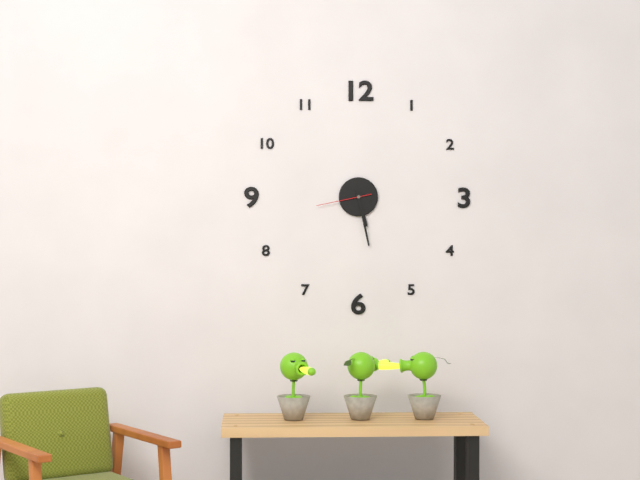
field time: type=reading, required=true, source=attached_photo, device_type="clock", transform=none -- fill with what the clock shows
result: 5:28:43
